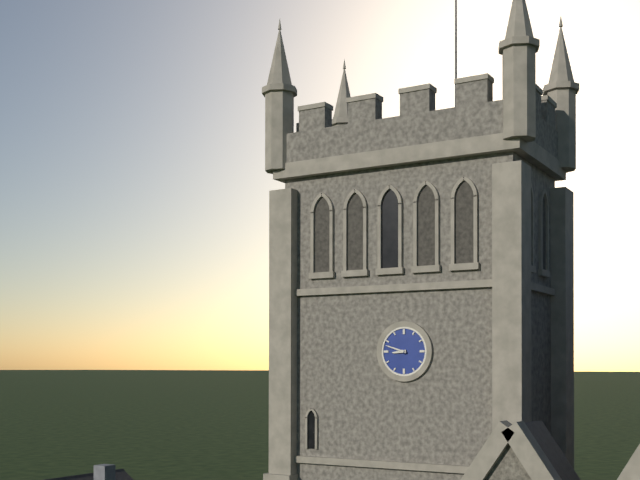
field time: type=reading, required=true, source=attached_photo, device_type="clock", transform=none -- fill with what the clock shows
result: 8:48
